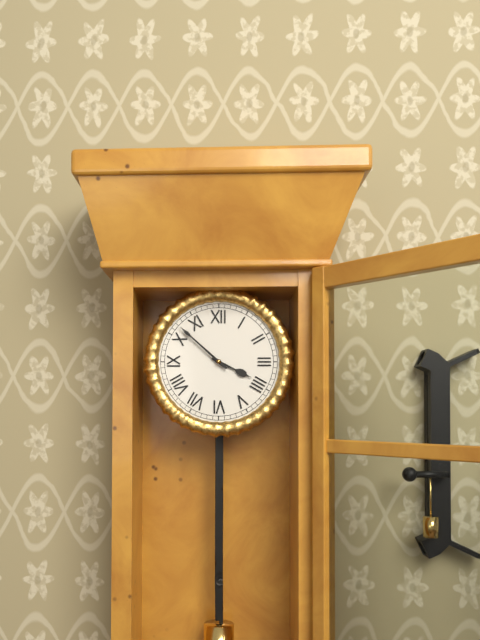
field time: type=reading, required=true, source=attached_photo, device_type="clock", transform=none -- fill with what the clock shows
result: 3:52
